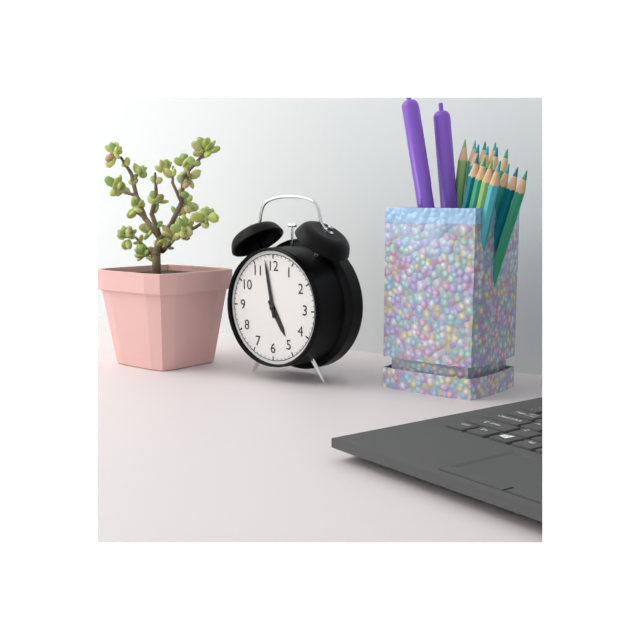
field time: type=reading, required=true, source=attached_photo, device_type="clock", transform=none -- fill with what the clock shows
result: 4:58
